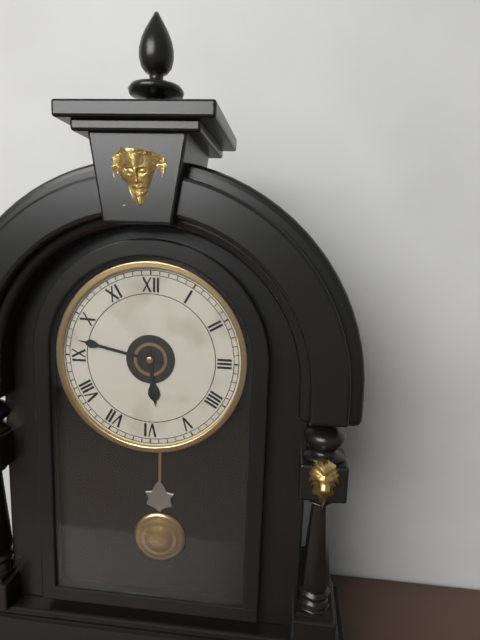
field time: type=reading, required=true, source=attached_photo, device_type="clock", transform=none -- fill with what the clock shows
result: 5:47
